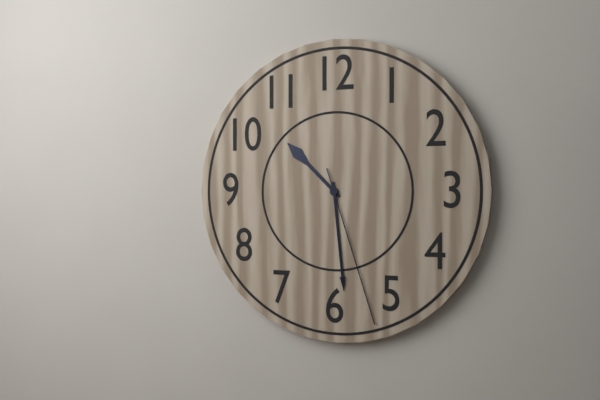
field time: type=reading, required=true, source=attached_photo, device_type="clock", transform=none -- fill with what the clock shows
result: 10:29:27
